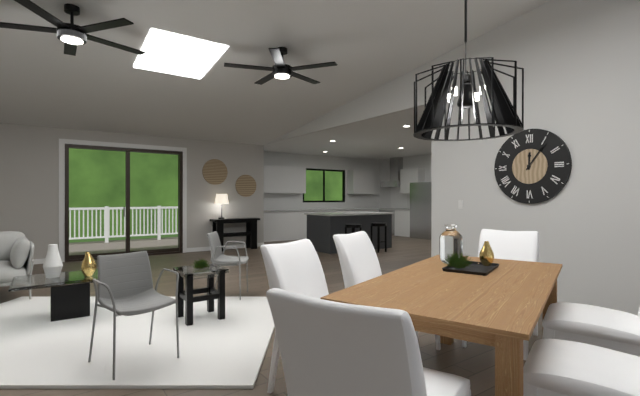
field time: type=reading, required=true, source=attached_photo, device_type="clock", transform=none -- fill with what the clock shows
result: 12:06
